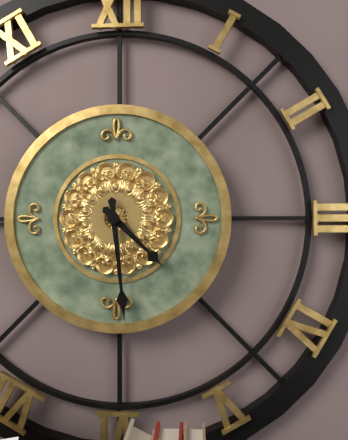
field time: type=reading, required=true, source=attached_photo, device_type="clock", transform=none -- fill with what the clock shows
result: 4:29
